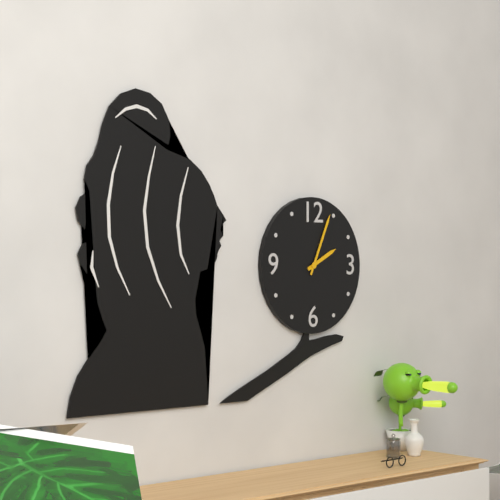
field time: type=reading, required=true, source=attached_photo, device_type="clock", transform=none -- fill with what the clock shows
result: 2:04
